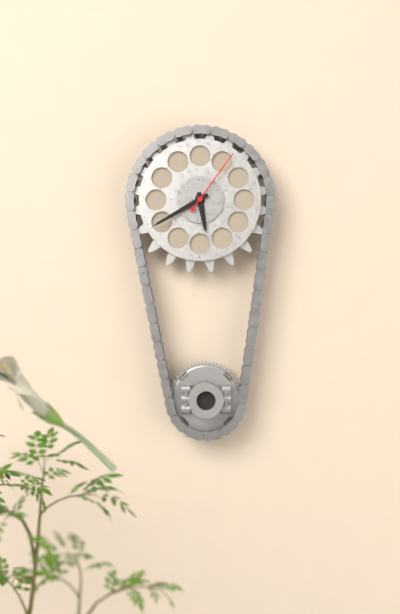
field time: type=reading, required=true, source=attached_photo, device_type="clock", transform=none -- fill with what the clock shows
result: 5:40:06
